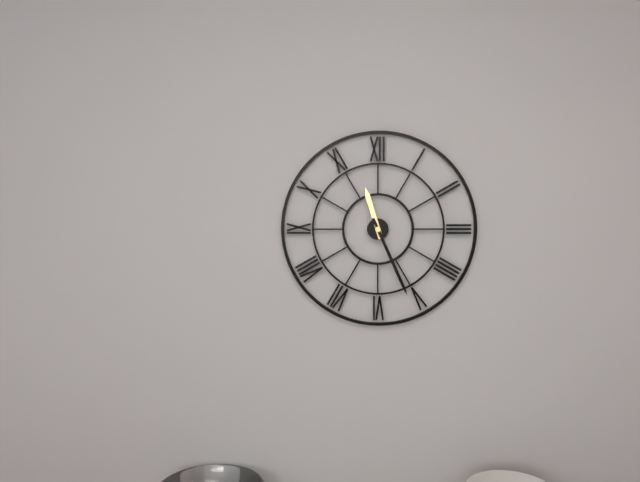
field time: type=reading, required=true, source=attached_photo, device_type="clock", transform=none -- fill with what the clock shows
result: 11:26
